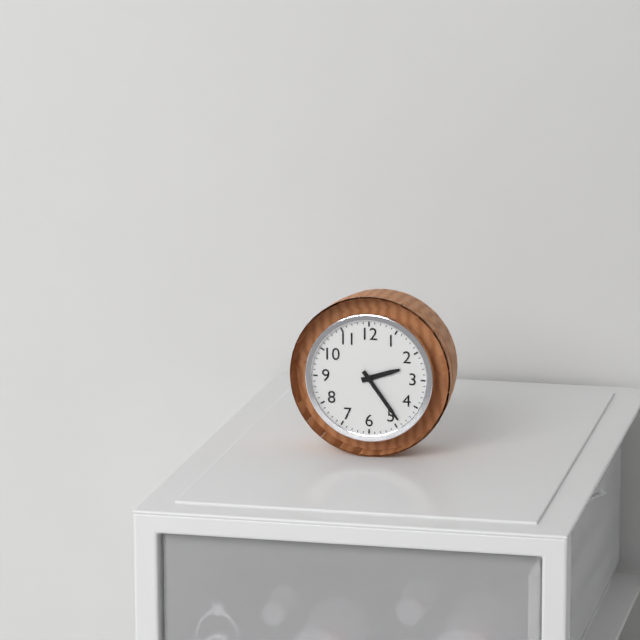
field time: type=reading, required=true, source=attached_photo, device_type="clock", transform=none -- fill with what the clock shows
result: 2:24
